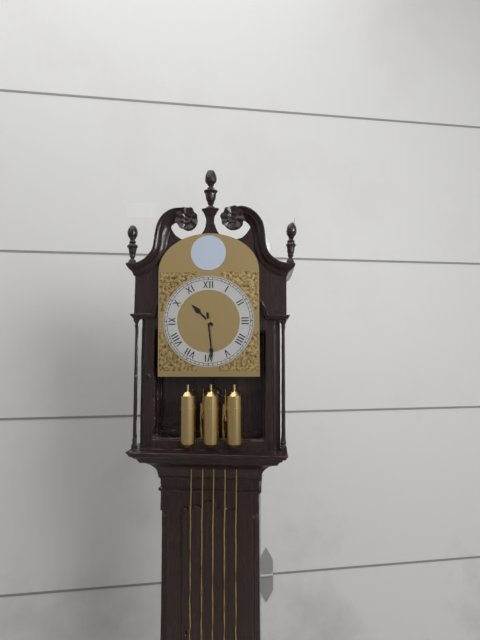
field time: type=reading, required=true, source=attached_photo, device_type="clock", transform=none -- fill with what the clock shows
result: 10:29
